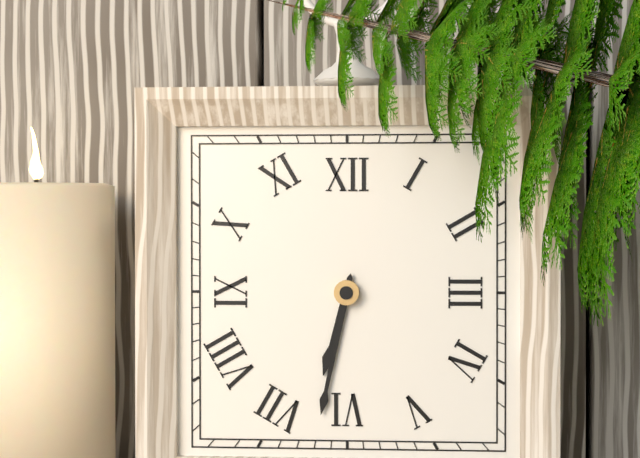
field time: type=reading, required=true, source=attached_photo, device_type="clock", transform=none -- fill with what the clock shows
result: 6:32
